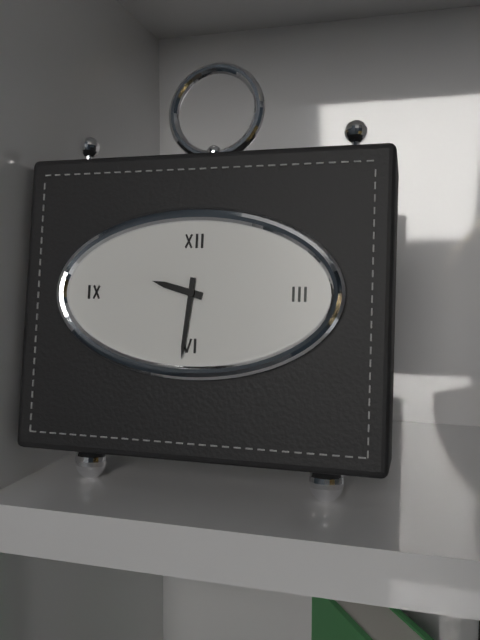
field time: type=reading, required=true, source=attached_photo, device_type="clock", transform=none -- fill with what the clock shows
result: 9:31
